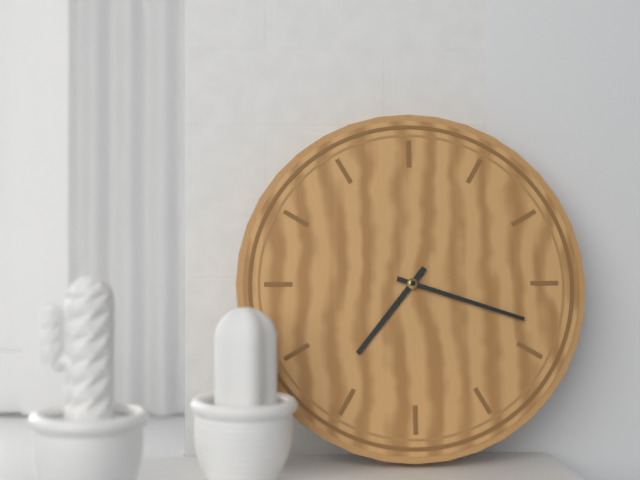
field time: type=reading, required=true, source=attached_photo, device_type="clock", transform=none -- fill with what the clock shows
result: 7:18
